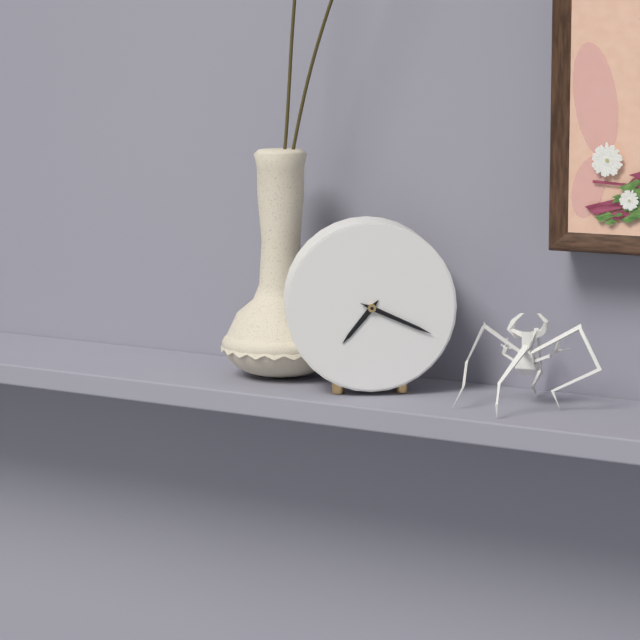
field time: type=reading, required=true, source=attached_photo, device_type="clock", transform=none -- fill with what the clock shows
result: 7:19
